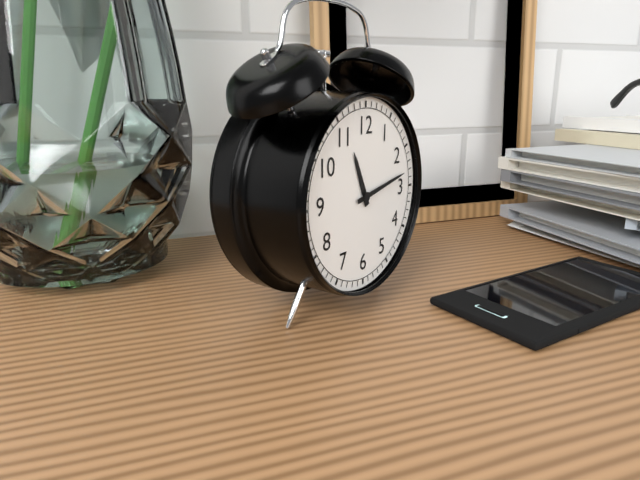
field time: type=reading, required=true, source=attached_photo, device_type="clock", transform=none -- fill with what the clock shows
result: 11:13
